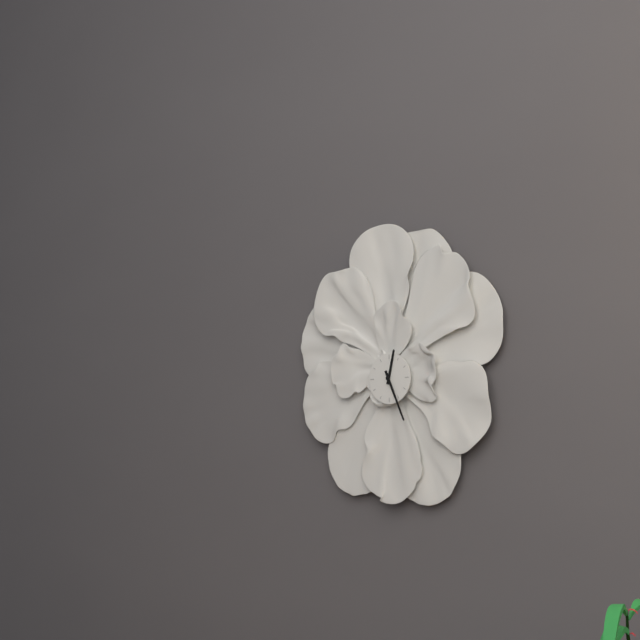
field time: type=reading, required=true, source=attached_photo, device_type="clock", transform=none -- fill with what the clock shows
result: 12:26
